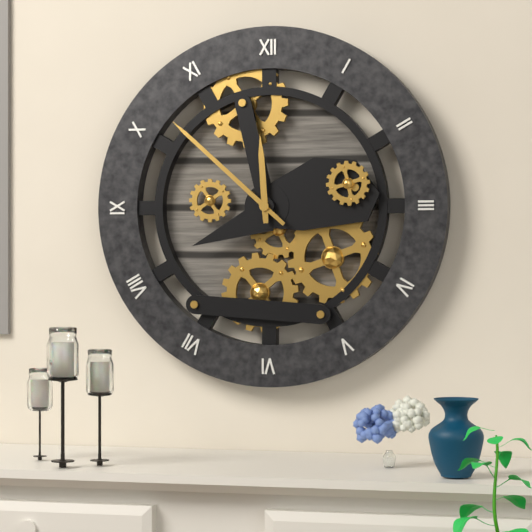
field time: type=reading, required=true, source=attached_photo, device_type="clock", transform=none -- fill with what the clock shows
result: 11:52
